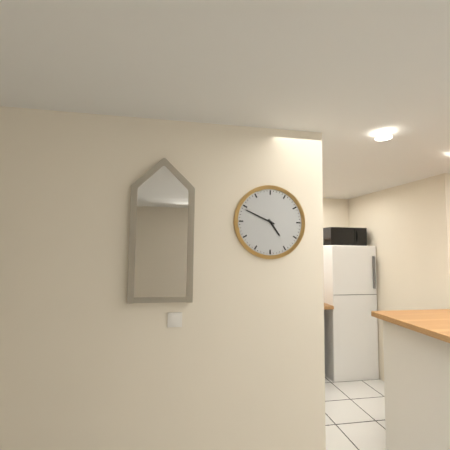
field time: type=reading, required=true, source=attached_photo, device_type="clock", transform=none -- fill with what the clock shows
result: 4:49
